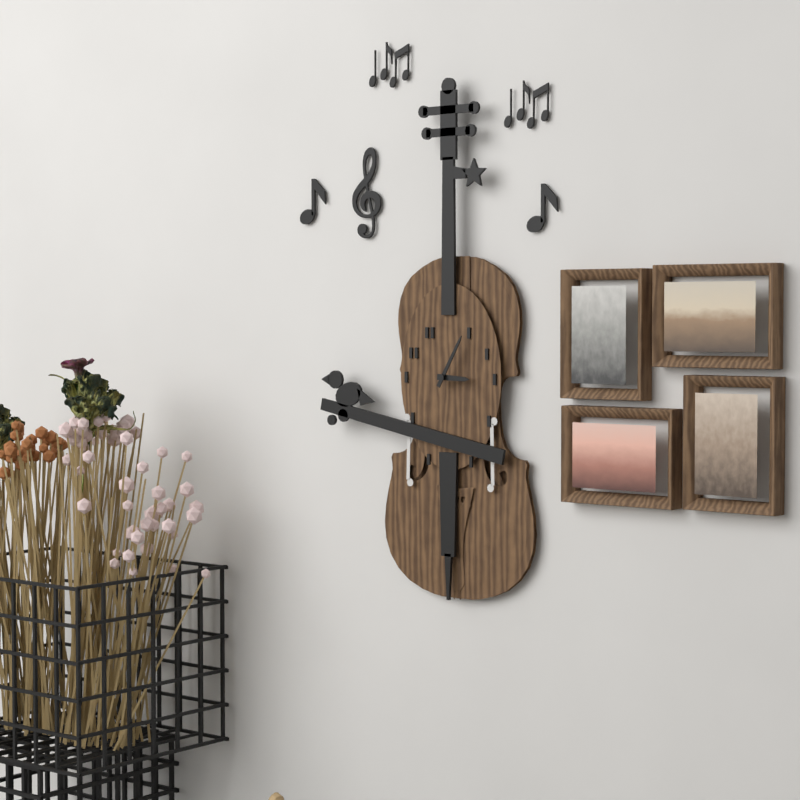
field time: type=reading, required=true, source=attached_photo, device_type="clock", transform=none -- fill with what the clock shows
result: 3:05
